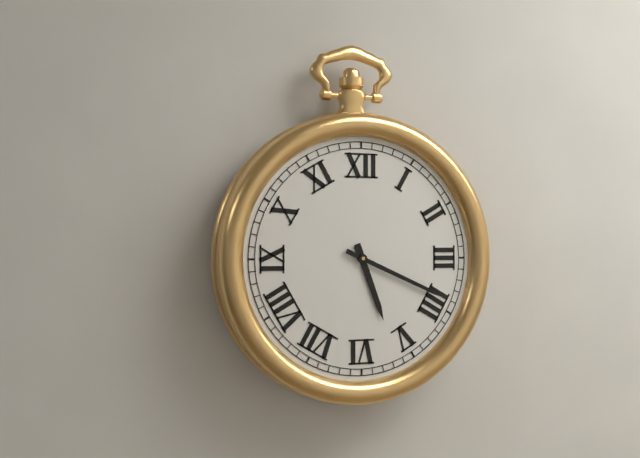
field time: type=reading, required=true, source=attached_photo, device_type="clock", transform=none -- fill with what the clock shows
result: 5:19
